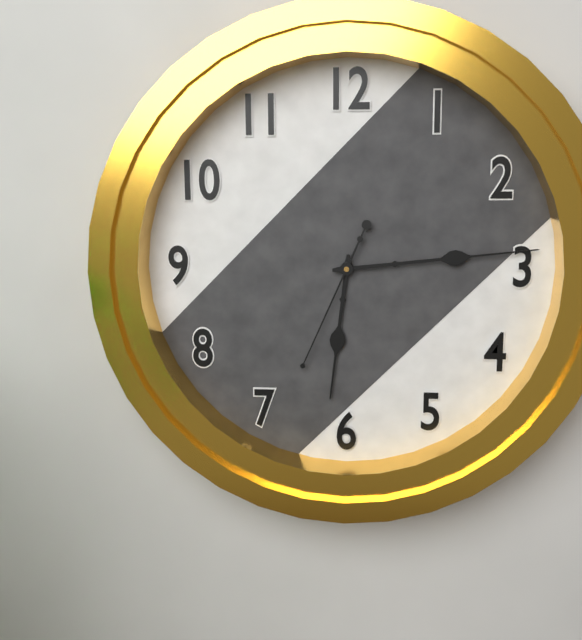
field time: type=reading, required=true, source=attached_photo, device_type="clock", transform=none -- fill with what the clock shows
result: 6:14:34
